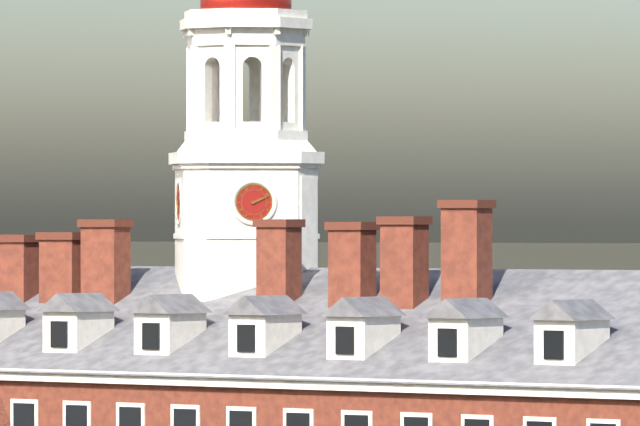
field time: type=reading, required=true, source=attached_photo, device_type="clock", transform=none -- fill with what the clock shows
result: 2:11
